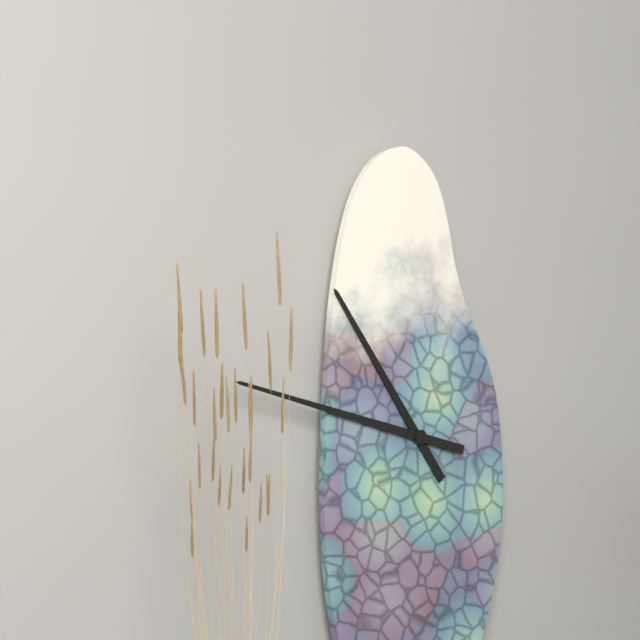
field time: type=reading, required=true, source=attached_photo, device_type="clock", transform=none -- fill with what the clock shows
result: 10:47
